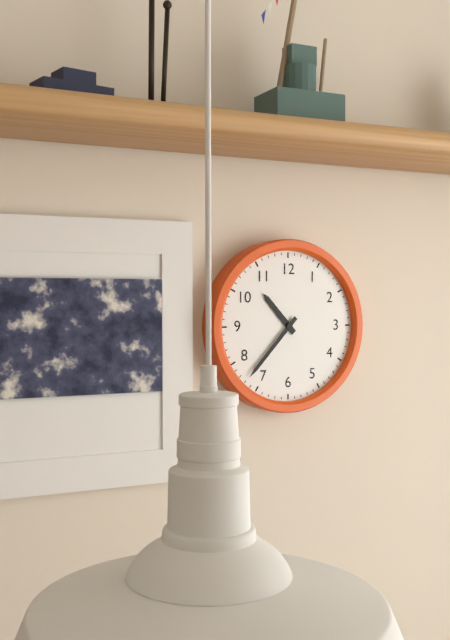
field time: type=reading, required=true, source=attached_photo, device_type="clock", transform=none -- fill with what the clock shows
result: 10:37
